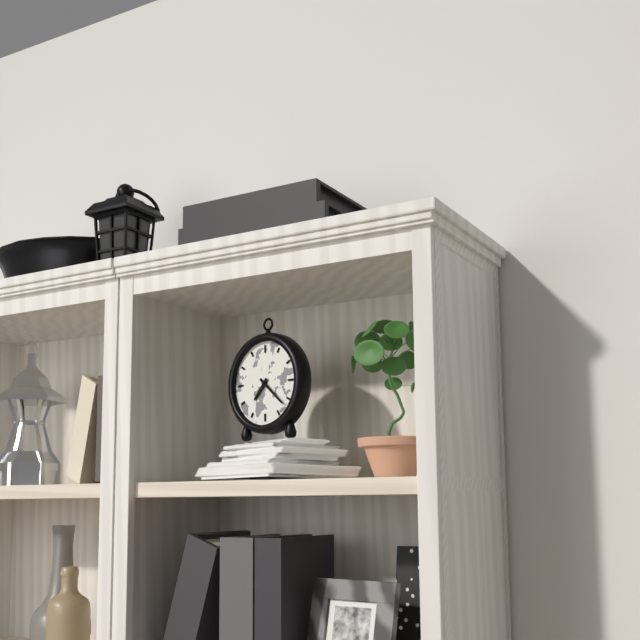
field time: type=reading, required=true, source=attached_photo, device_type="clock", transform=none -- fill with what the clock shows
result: 7:22
